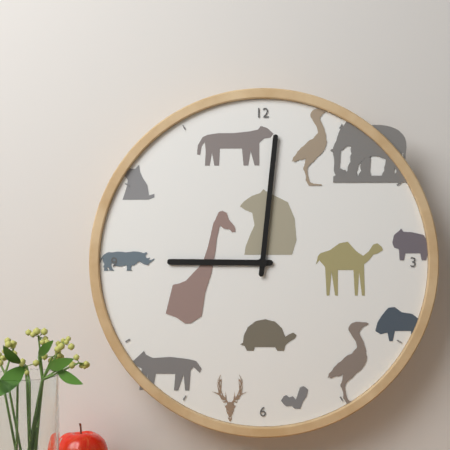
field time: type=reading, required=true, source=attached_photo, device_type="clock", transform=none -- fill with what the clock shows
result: 9:01
